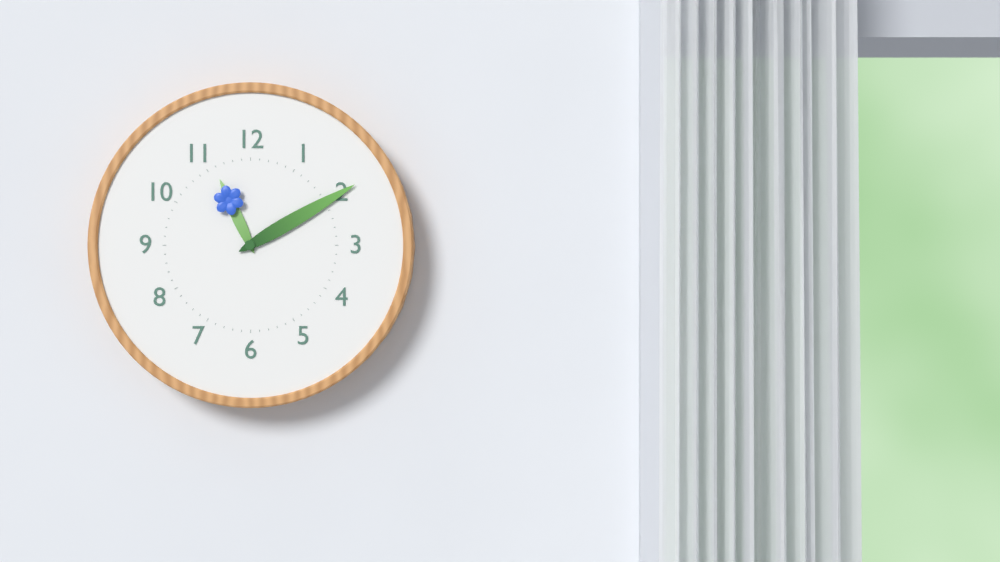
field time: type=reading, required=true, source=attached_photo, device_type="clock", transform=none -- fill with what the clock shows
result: 11:10
